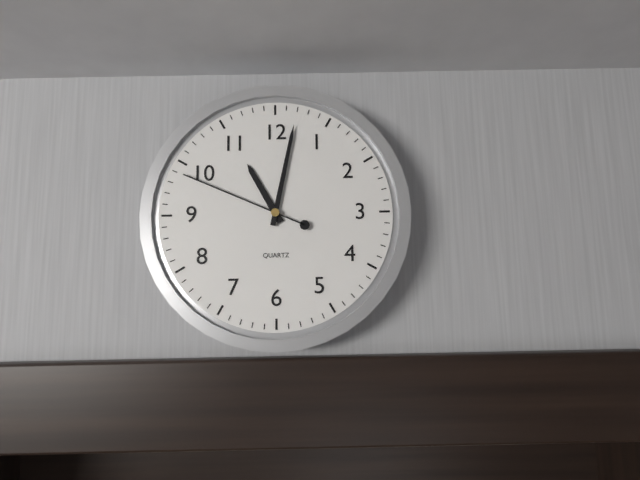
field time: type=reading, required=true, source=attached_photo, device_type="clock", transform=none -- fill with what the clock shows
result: 11:02:49
